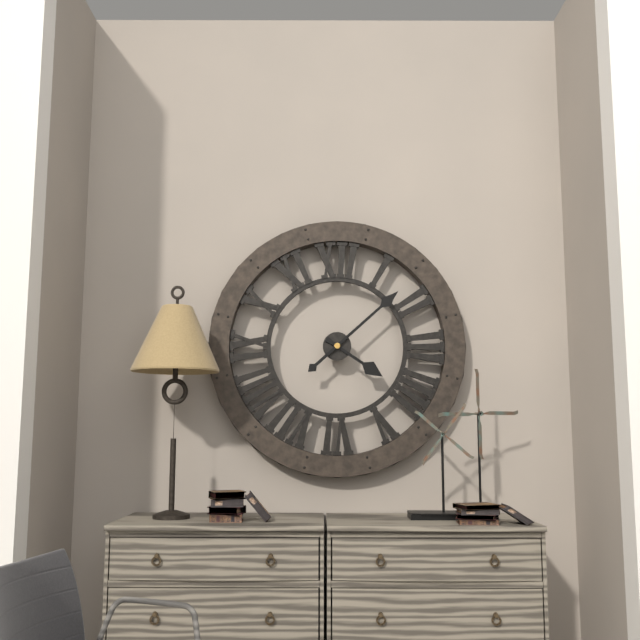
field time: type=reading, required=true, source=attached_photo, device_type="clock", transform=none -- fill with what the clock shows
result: 4:08
